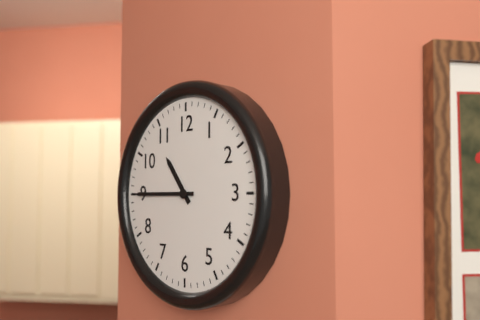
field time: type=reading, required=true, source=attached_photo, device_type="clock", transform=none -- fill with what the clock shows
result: 10:45
